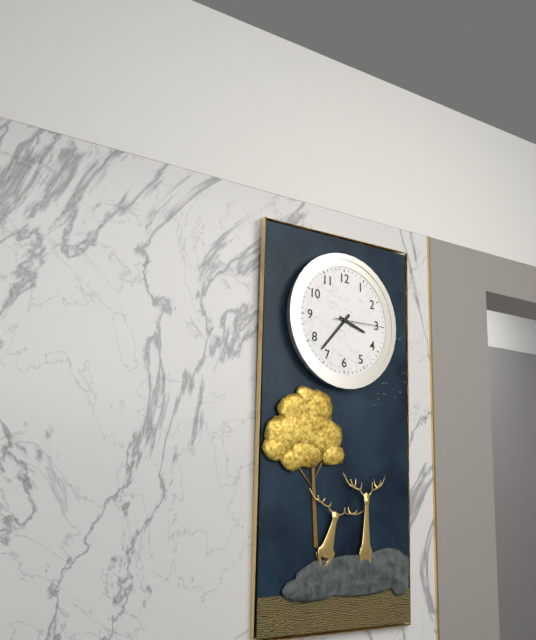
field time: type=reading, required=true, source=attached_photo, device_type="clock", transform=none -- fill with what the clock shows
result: 3:37
